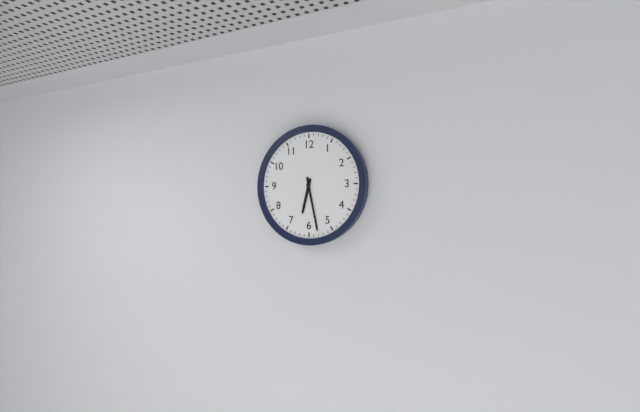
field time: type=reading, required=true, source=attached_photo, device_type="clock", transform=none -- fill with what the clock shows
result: 6:28
